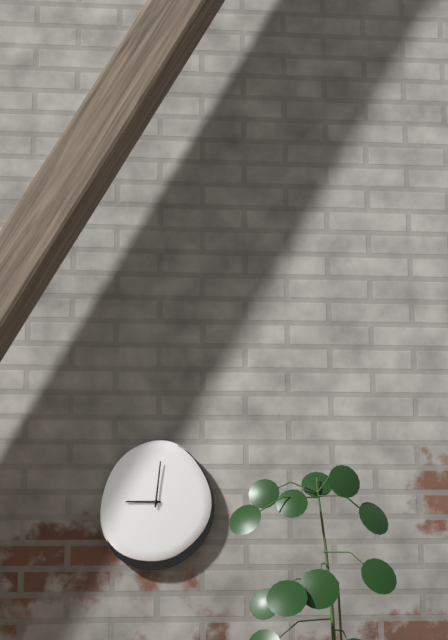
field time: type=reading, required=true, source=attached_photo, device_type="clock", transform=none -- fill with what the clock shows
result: 9:01
